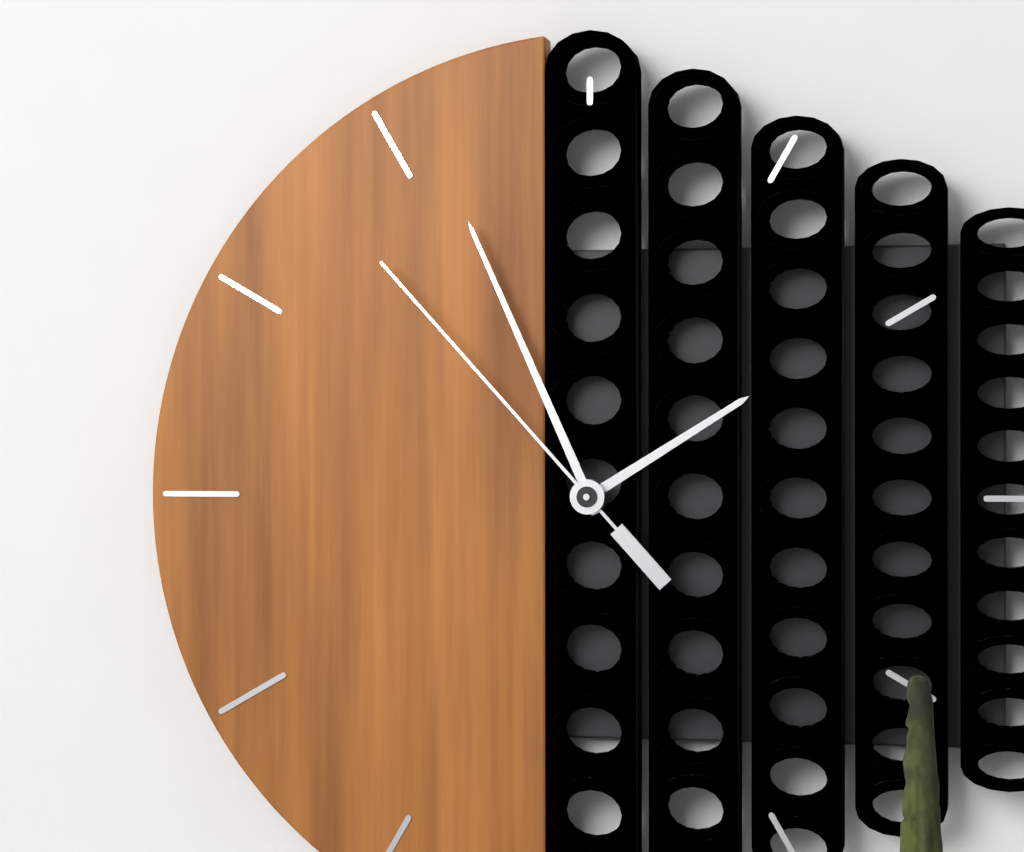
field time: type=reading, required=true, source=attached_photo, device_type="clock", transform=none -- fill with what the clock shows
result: 1:56:53
